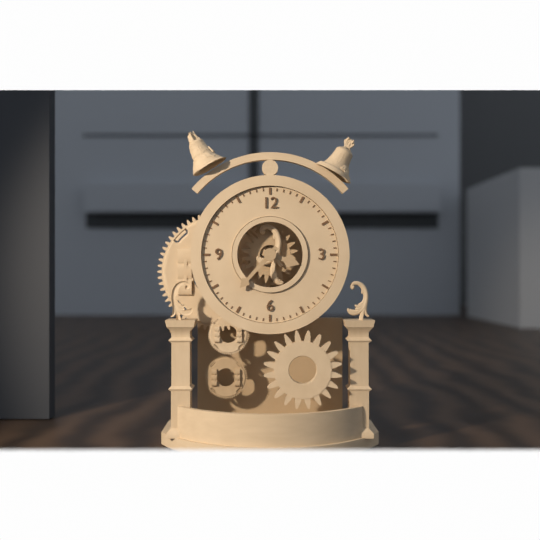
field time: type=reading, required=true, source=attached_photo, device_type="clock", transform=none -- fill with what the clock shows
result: 3:37
